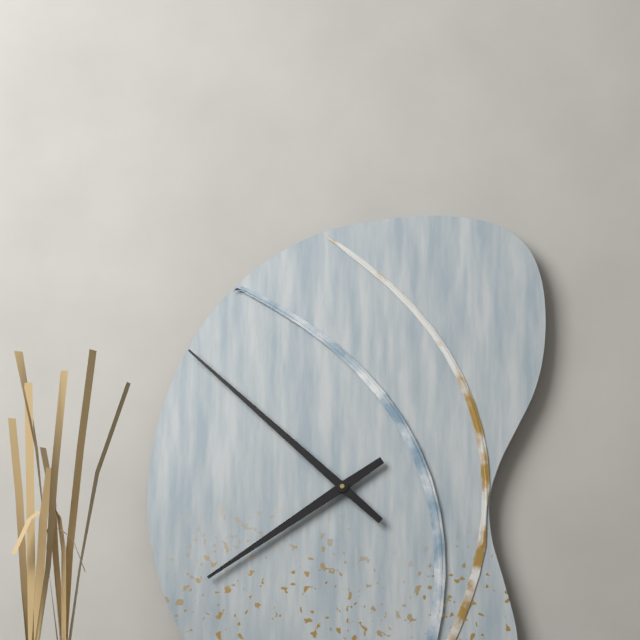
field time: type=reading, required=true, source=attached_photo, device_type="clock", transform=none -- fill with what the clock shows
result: 7:52
